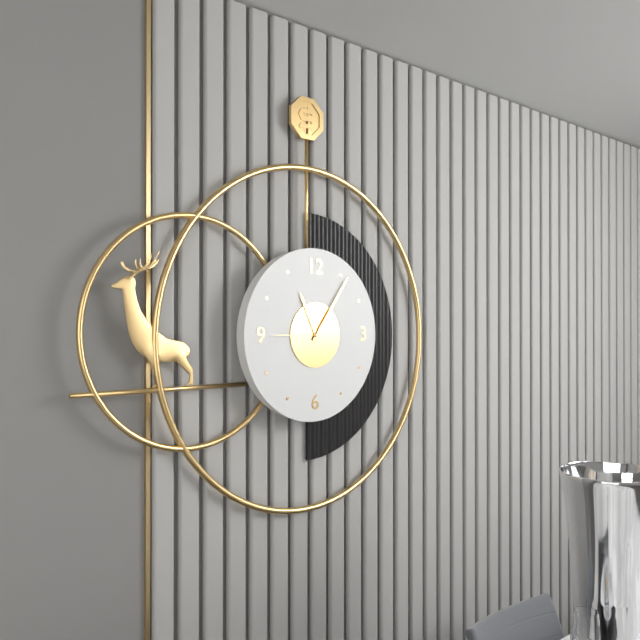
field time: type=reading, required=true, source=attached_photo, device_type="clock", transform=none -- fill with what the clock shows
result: 11:06:45
